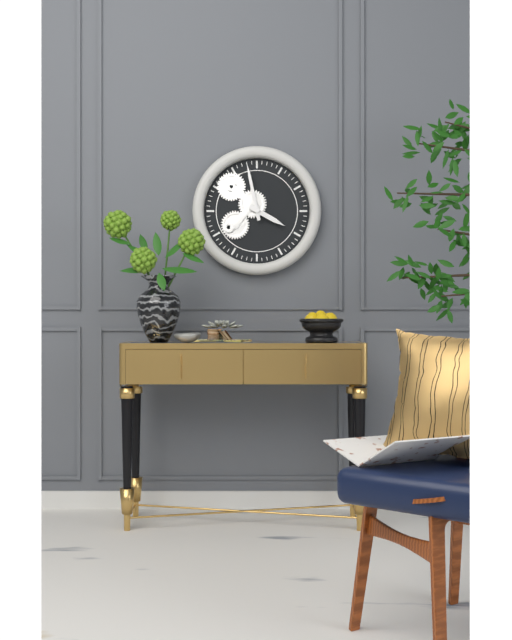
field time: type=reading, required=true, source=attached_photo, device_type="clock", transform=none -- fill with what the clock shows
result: 3:58
